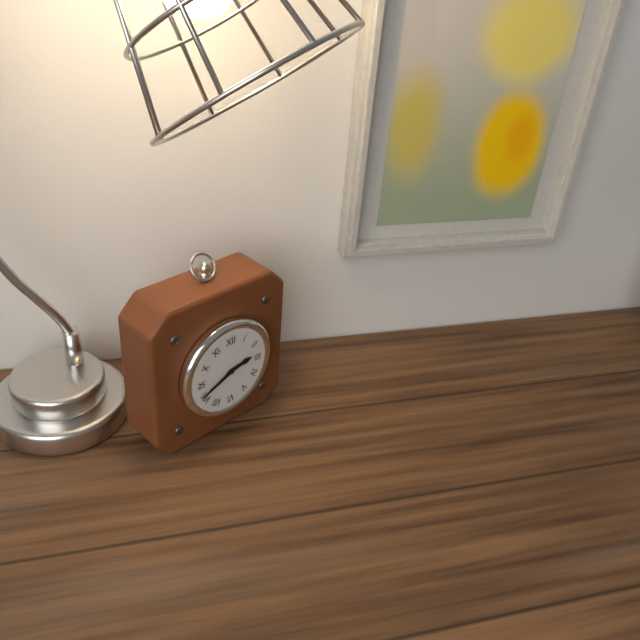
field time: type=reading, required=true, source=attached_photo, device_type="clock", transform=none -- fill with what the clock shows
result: 2:41
